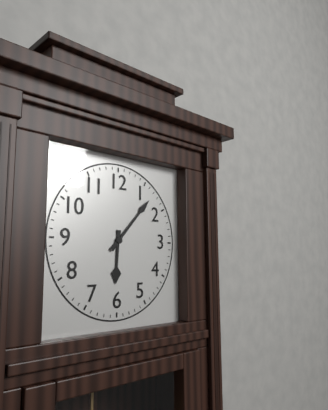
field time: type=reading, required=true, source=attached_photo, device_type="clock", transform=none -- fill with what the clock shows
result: 6:07
